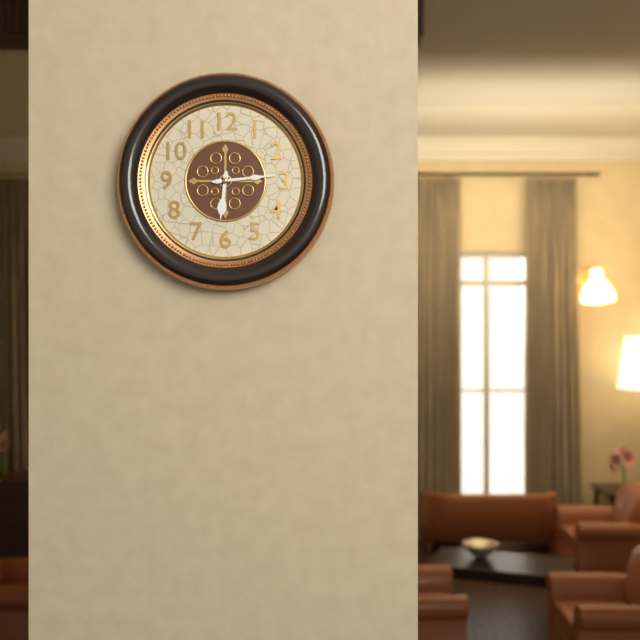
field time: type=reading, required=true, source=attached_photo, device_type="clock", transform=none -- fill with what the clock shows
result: 6:14
